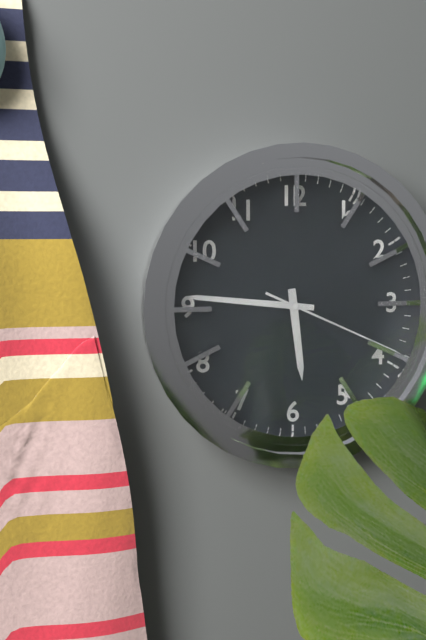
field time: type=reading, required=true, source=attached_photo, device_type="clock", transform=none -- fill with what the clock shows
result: 5:46:19
